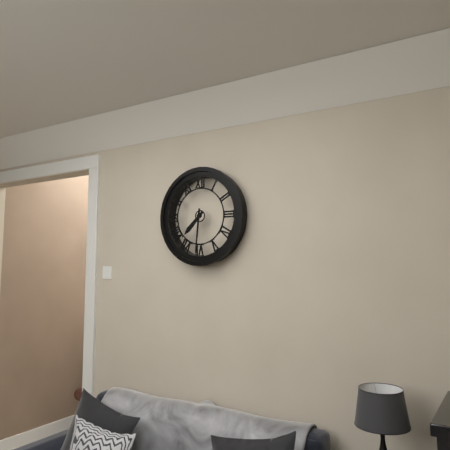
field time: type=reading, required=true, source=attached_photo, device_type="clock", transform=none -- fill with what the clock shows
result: 7:31
